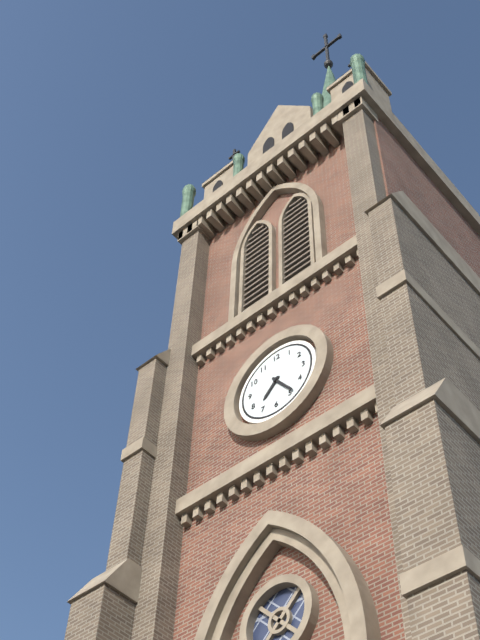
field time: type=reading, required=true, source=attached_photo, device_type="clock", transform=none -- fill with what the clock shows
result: 7:24
